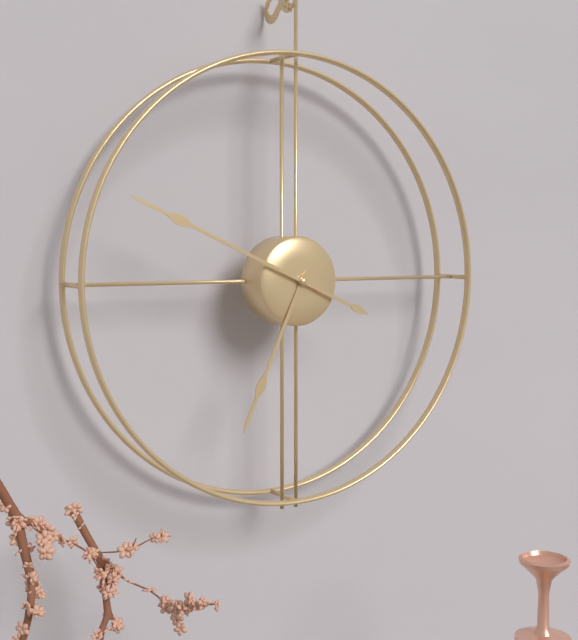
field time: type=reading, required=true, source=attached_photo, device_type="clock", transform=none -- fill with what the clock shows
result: 6:49
